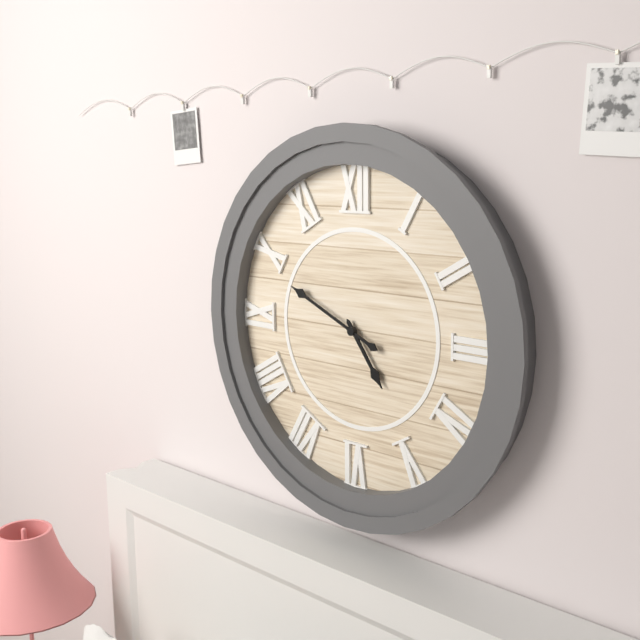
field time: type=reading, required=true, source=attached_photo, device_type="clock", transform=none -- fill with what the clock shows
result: 4:49
